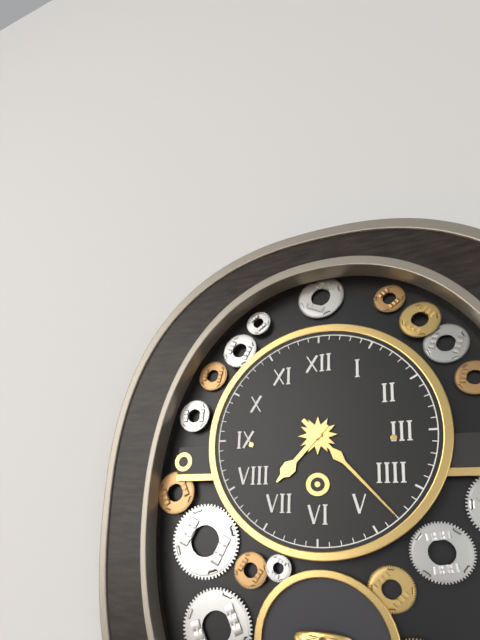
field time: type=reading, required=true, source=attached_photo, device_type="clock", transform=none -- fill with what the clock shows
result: 7:23
